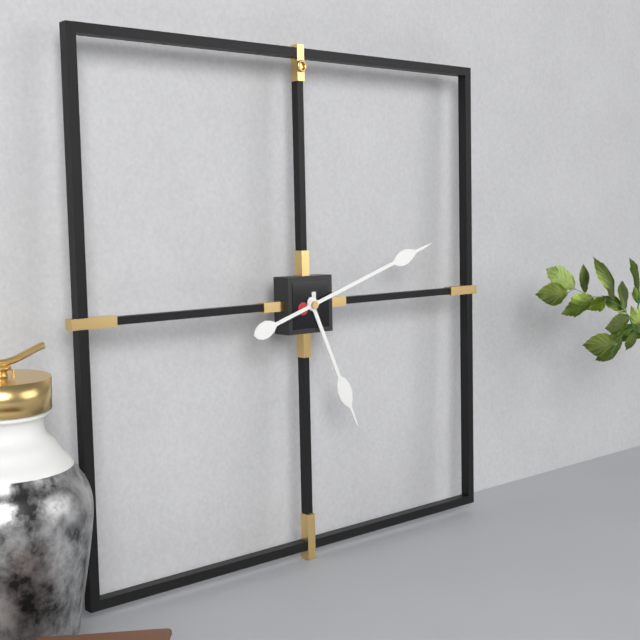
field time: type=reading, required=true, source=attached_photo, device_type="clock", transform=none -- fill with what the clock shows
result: 5:12
